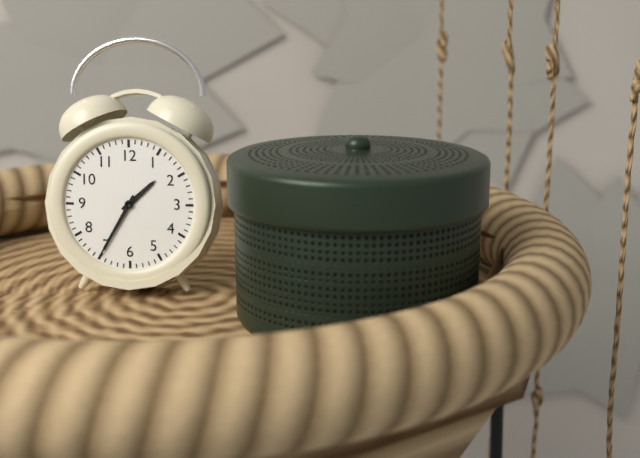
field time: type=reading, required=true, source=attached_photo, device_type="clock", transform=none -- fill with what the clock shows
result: 1:35
